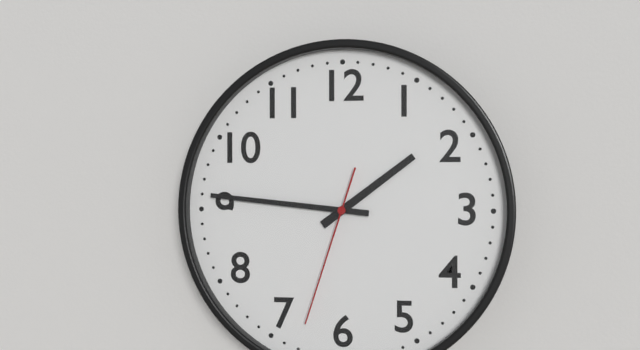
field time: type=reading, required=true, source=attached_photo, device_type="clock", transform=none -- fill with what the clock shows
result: 1:46:33
